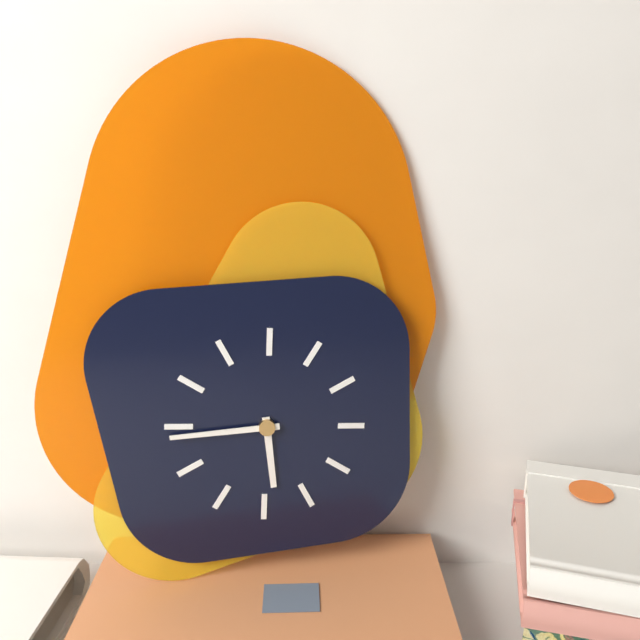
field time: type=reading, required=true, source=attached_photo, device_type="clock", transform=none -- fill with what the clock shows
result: 5:44
